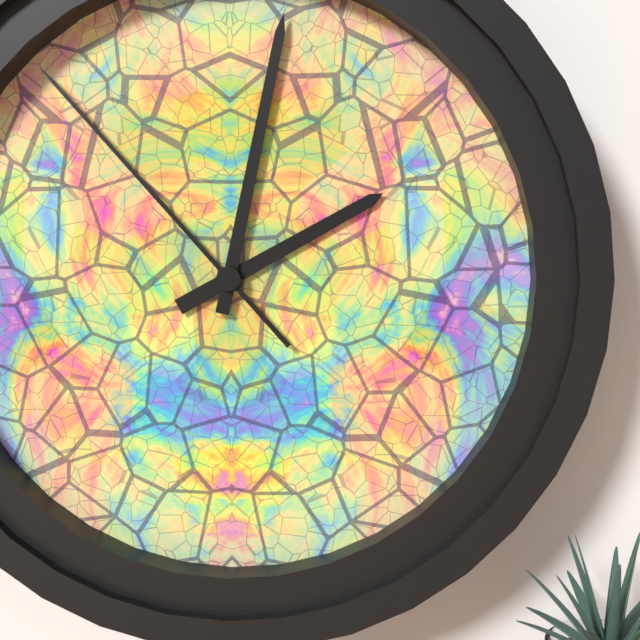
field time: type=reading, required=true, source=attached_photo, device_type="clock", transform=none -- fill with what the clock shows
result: 2:02:53
